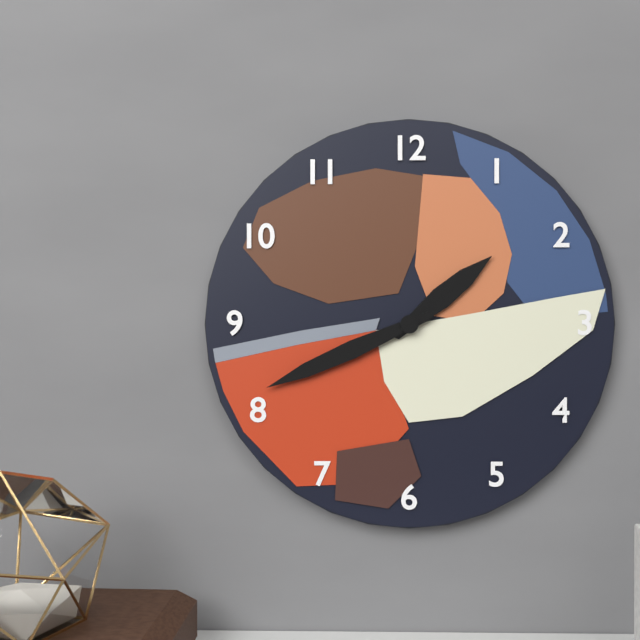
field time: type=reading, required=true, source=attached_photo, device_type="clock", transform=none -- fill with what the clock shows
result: 1:41
